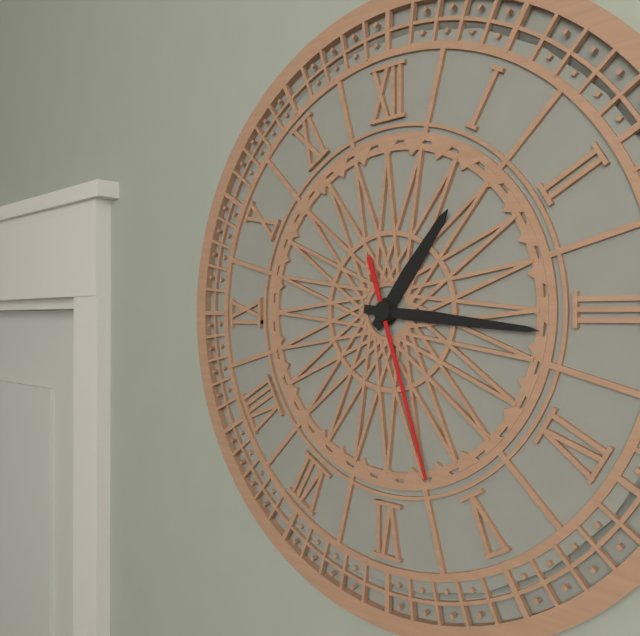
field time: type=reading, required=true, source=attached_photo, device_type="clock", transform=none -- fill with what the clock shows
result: 1:16:27
